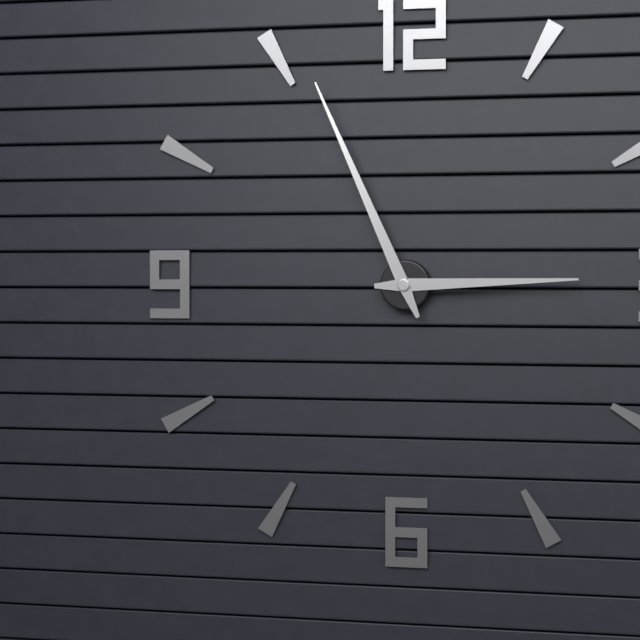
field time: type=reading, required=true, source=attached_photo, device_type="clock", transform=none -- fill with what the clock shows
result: 2:56
